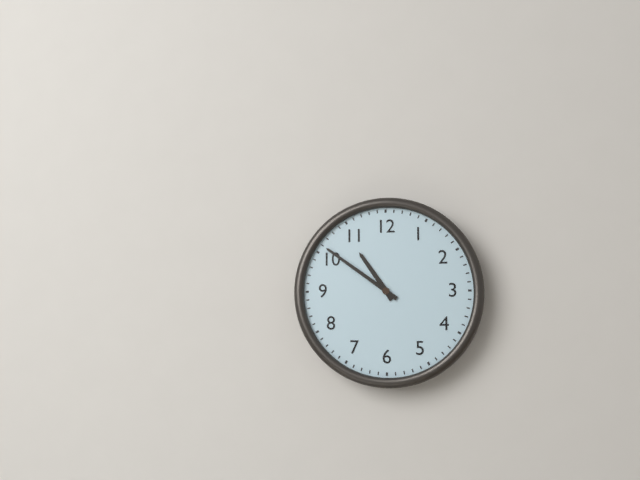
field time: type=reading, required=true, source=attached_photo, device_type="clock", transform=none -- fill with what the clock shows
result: 10:51
